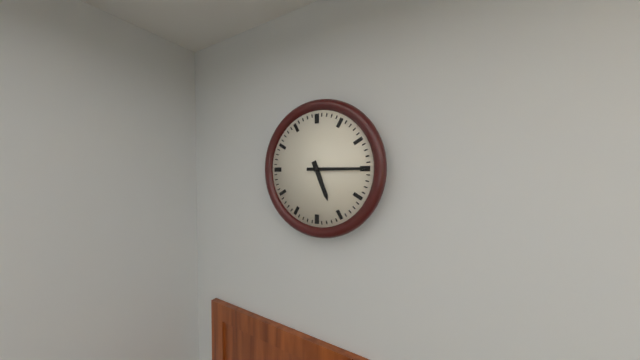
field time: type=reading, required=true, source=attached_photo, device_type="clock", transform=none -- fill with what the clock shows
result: 5:15
